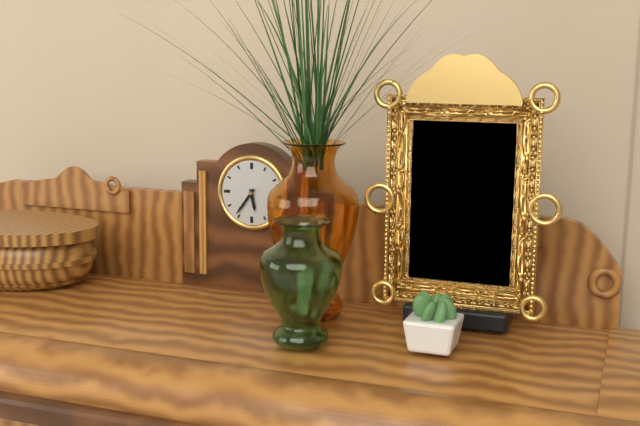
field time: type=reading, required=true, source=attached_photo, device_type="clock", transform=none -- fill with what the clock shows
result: 5:36
